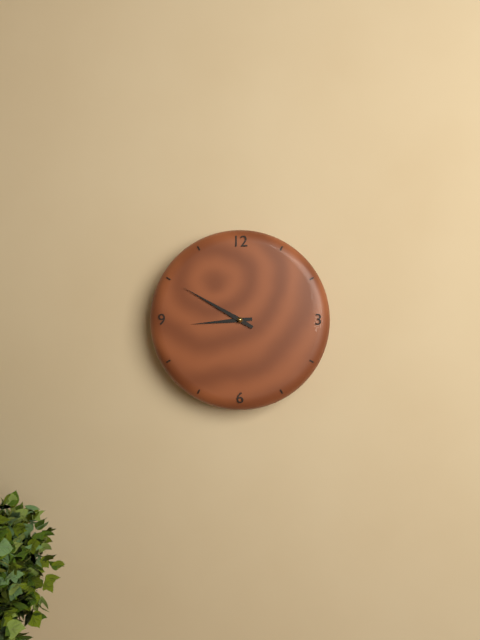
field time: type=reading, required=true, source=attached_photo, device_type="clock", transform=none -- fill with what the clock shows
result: 8:50
